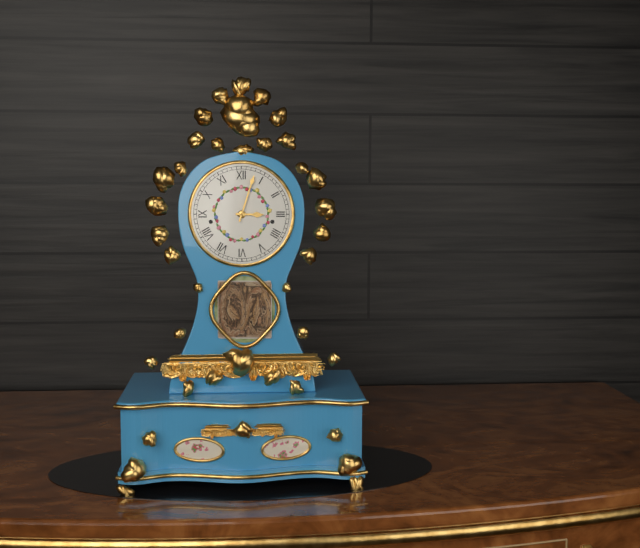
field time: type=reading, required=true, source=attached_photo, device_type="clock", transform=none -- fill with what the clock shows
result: 3:03
